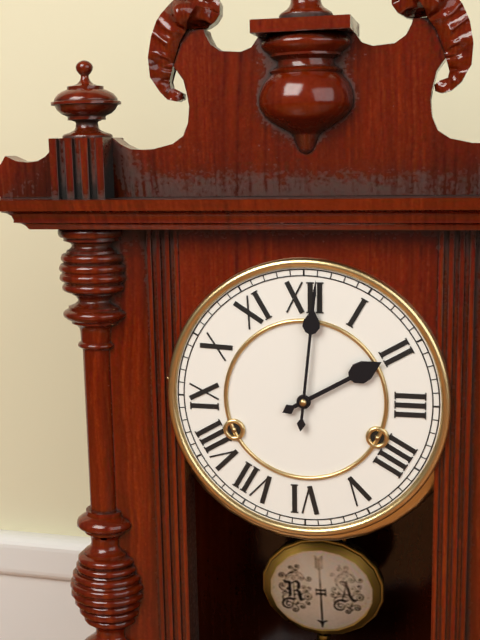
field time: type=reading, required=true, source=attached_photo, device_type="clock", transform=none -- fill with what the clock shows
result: 2:01
